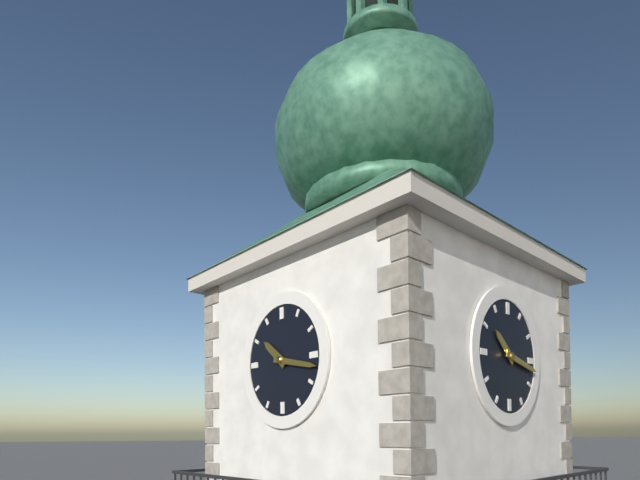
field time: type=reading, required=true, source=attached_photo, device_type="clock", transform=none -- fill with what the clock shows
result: 10:17
